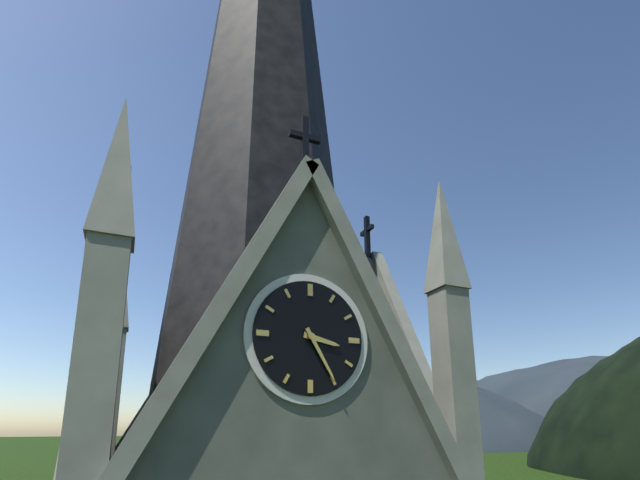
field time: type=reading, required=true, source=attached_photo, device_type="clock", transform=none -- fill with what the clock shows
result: 3:25
